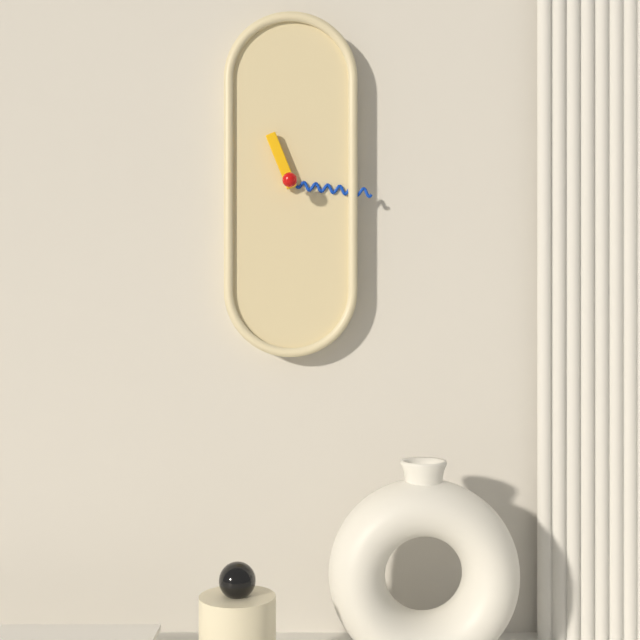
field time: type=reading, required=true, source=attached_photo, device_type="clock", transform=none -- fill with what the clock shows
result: 11:16
